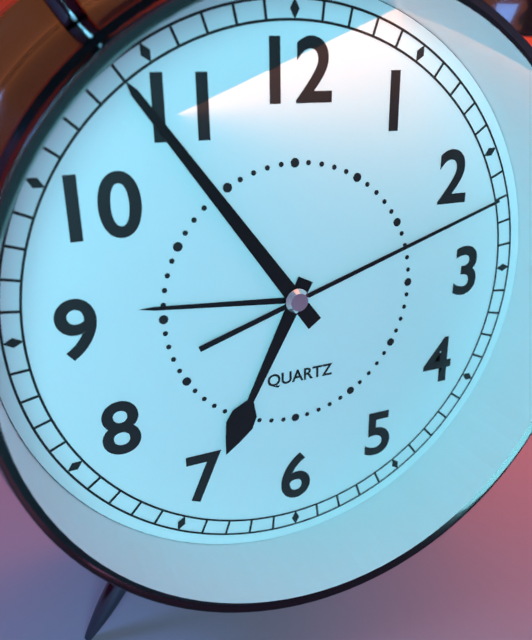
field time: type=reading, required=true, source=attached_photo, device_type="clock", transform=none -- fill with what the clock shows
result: 6:54:12
